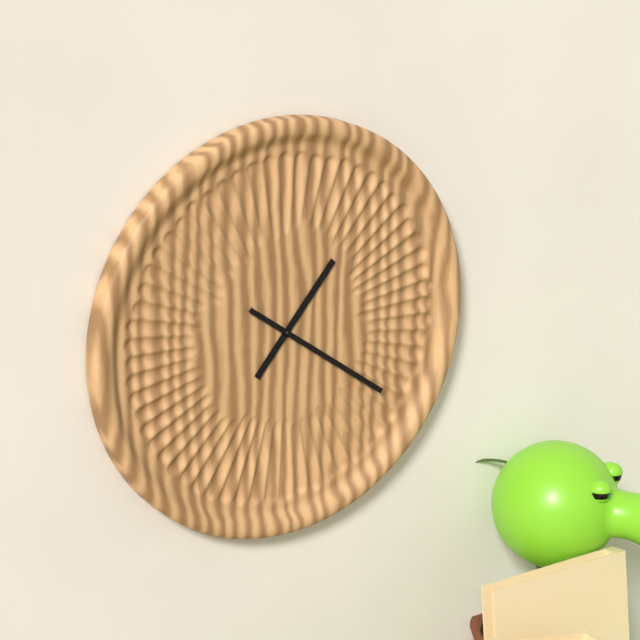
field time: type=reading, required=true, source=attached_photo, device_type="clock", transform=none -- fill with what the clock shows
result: 1:21
